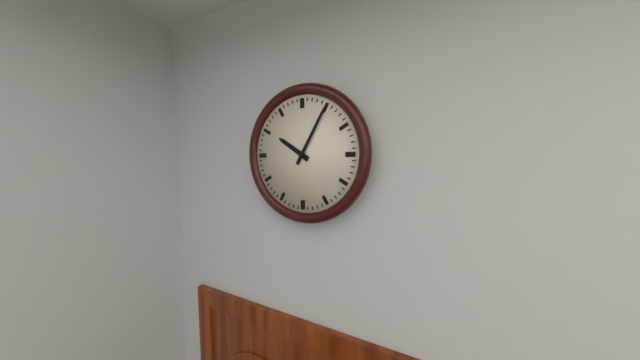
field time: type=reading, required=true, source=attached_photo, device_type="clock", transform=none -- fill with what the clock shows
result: 10:05
